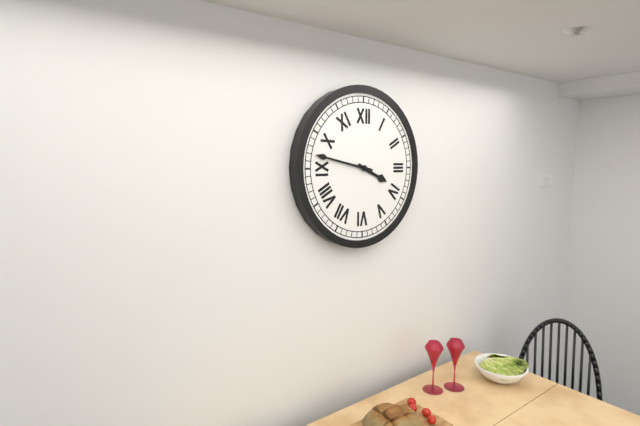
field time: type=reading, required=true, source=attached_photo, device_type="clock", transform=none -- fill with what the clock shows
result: 3:47
